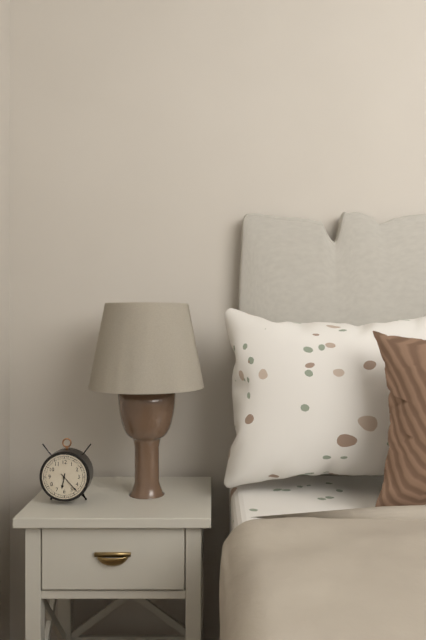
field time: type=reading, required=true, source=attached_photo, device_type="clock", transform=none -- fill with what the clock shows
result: 6:23
